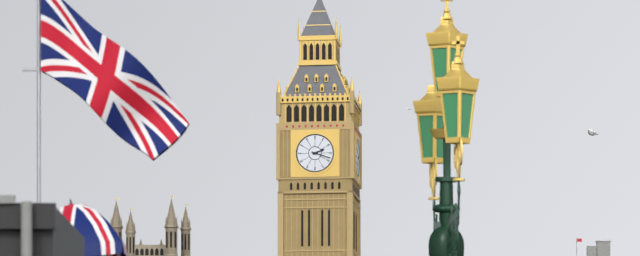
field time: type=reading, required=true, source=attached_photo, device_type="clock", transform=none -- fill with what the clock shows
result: 2:18
